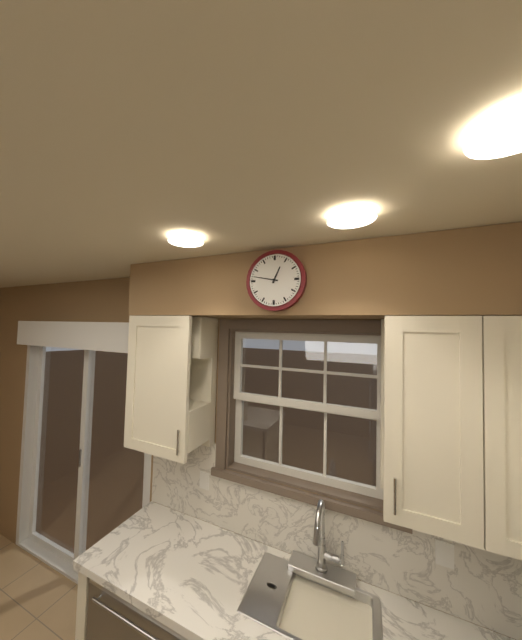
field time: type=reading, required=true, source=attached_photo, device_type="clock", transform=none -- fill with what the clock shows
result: 12:47
